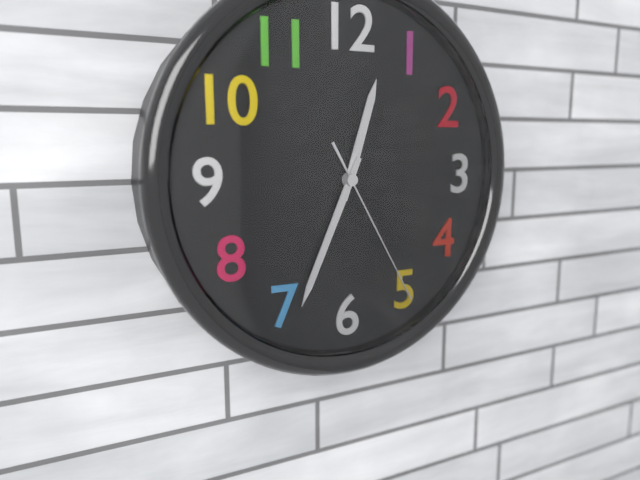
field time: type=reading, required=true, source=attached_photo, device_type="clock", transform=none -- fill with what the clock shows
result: 12:34:25
